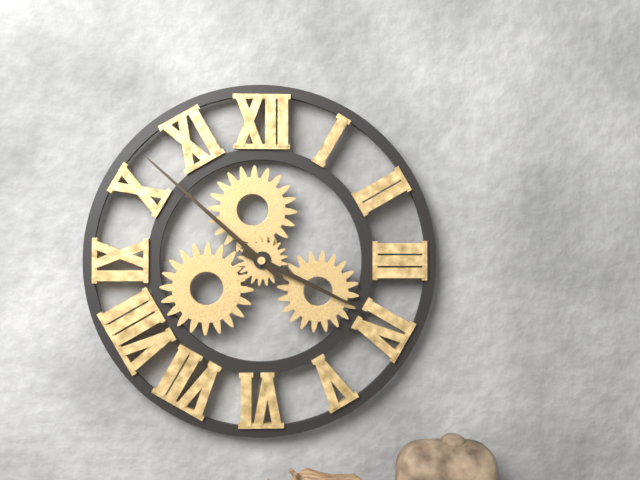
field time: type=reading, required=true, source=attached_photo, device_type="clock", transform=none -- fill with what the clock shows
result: 3:52
